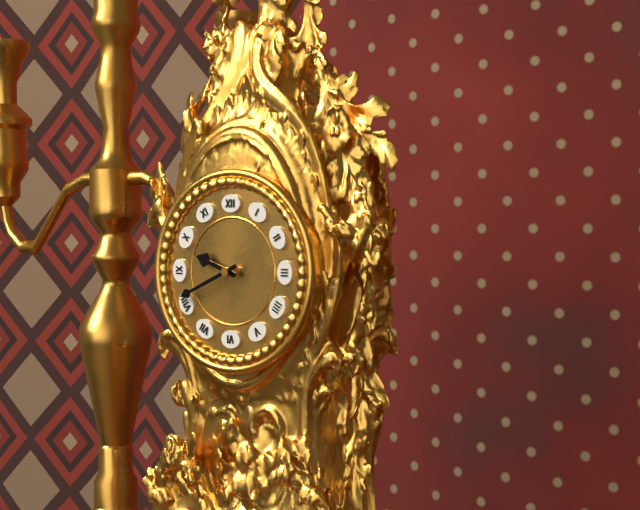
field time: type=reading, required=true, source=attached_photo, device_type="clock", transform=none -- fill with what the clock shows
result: 9:41
